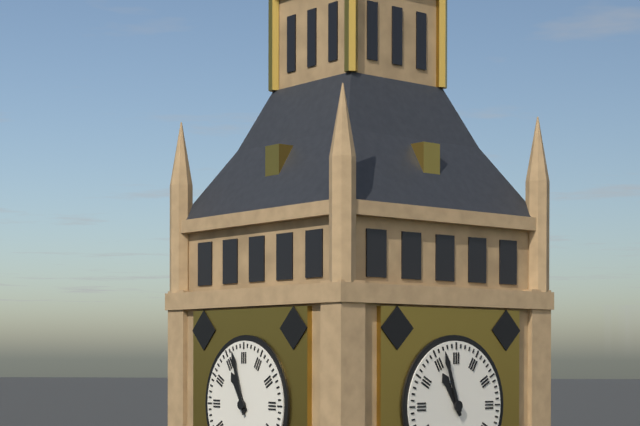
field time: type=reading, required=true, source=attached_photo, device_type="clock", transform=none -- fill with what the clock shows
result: 10:57
